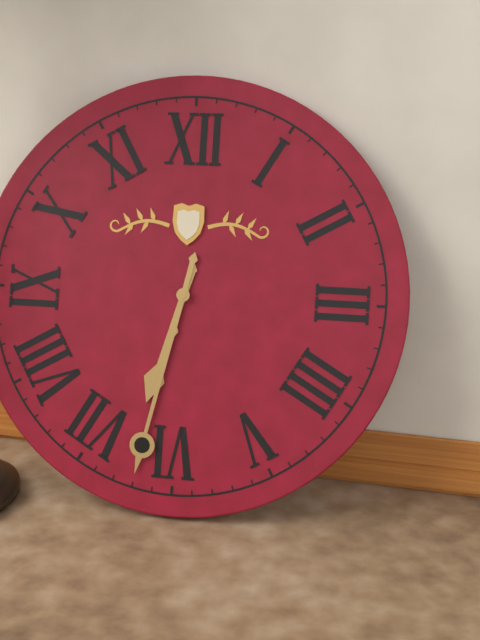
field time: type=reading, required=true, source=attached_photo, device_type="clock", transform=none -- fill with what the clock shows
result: 6:32
